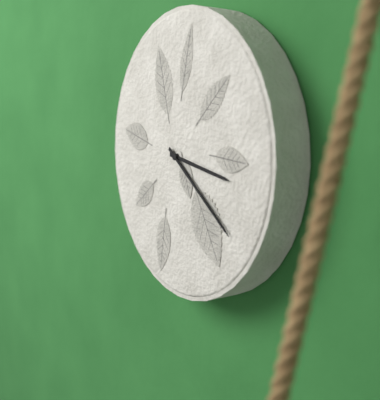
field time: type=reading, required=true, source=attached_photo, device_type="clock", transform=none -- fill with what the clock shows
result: 3:21
